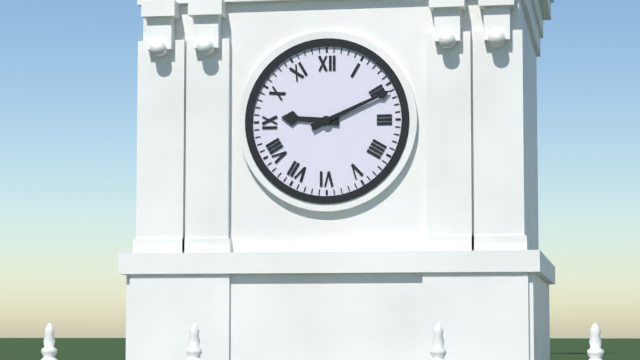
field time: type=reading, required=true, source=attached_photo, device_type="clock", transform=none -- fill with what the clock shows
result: 9:11
